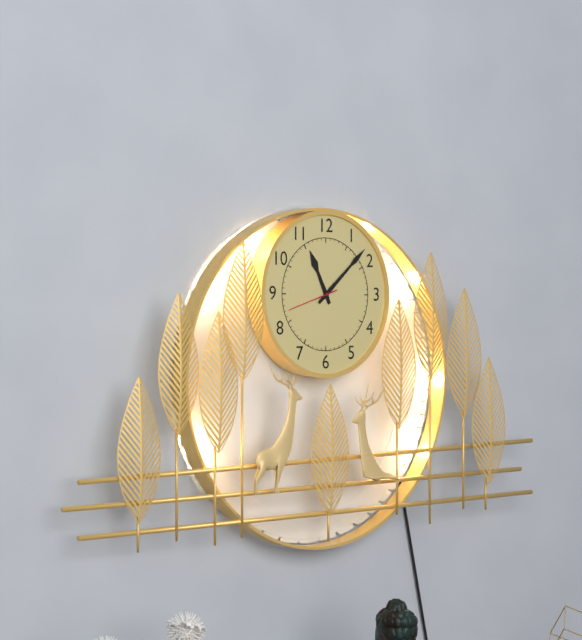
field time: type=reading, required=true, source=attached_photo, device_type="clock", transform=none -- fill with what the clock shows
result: 11:08
